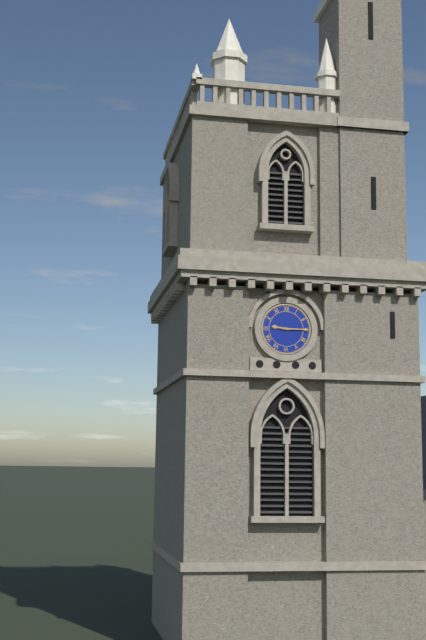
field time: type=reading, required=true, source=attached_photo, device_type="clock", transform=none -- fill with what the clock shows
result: 9:15
